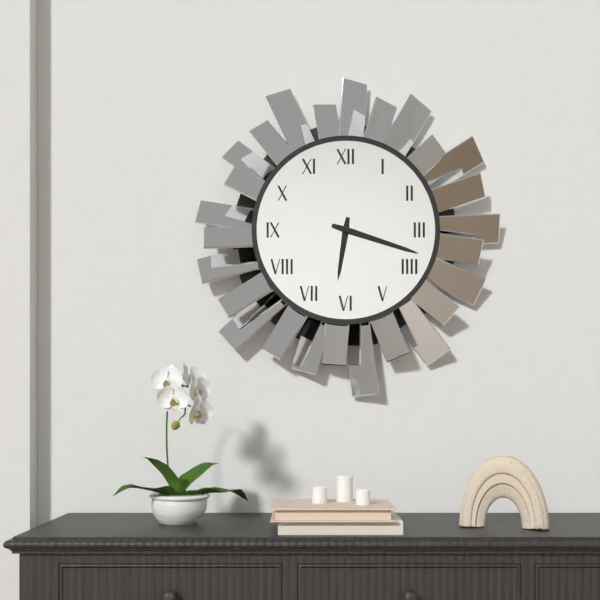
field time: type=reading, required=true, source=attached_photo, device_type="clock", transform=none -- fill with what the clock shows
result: 6:18
